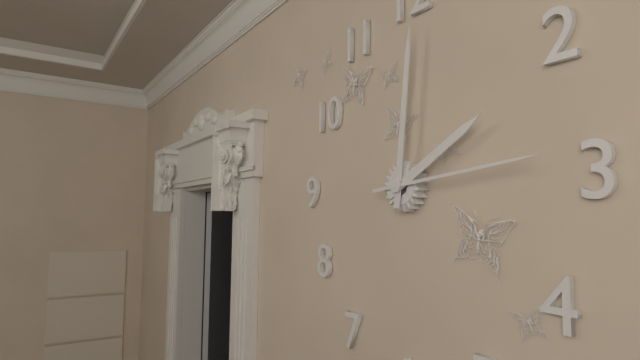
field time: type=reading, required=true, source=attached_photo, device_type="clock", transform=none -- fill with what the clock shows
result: 2:01:14
